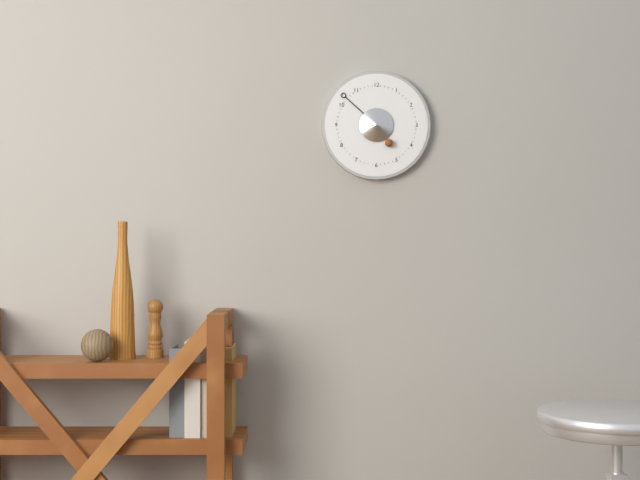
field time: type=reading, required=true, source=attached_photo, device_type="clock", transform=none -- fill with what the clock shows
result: 4:52
